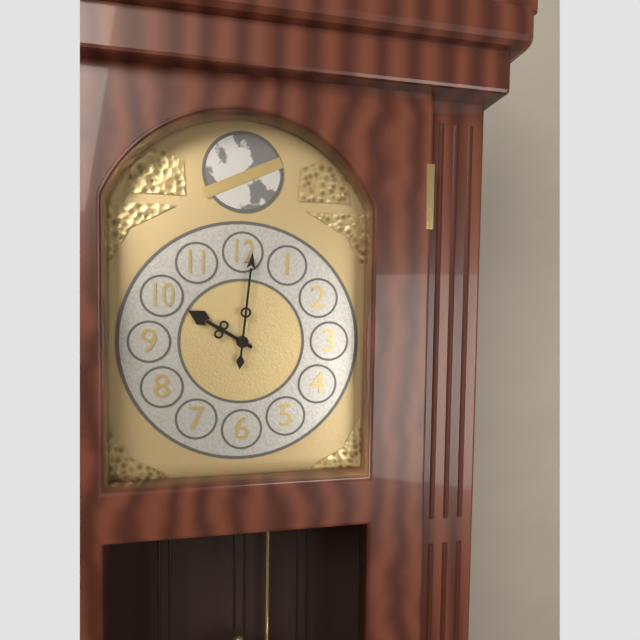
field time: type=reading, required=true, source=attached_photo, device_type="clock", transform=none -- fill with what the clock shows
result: 10:01
